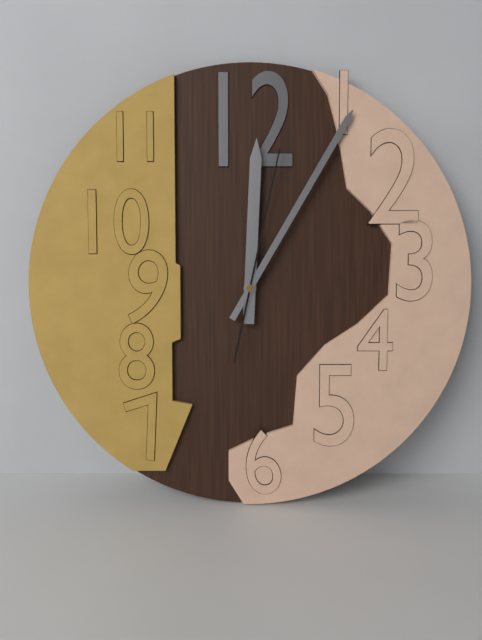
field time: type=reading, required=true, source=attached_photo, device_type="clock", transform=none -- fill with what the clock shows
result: 12:05:02
